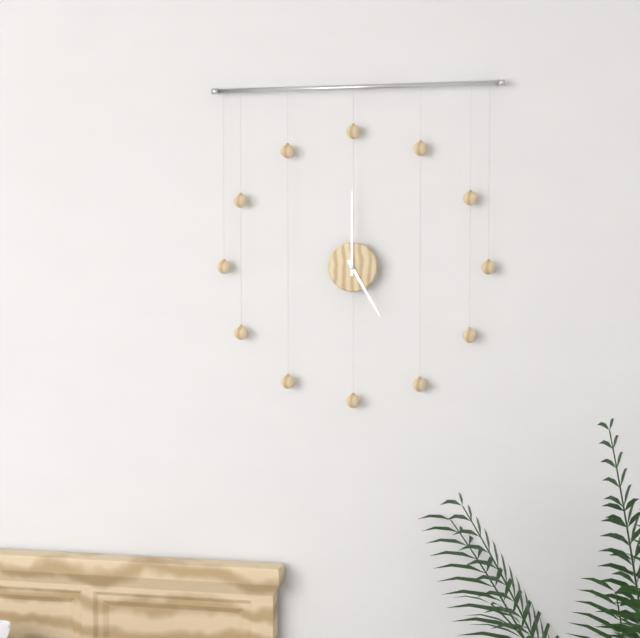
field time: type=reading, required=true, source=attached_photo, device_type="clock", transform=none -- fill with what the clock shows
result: 5:00
